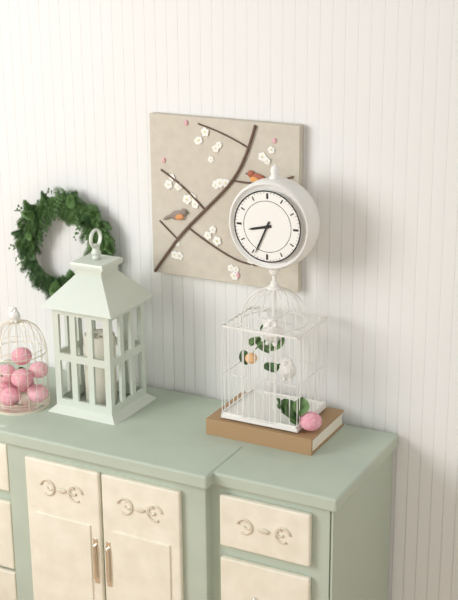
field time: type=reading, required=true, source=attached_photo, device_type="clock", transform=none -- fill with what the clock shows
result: 8:34
